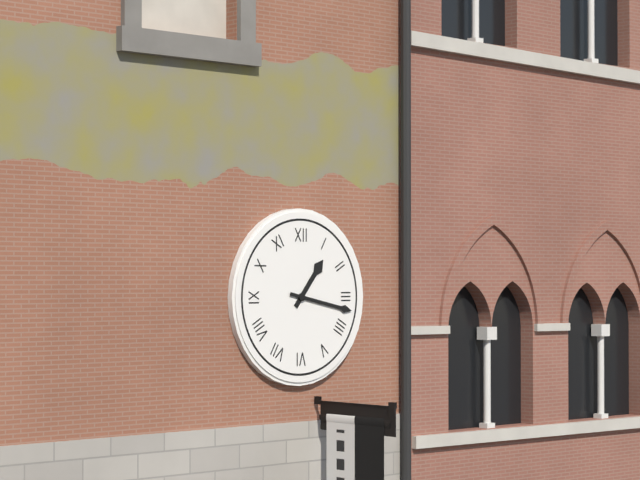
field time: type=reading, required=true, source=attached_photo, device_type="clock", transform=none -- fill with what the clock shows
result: 1:17
